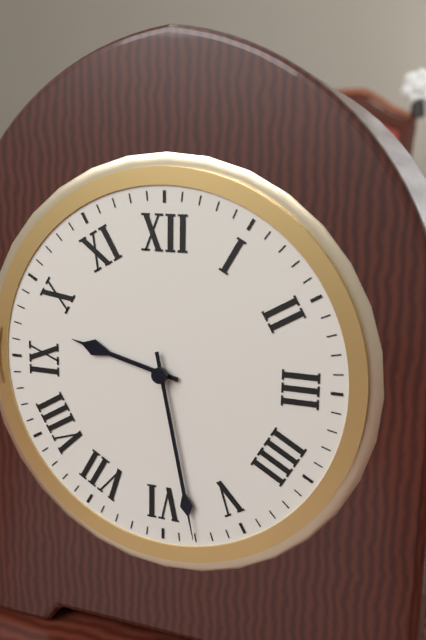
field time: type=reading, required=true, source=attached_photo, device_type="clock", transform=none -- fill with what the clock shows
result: 9:28
